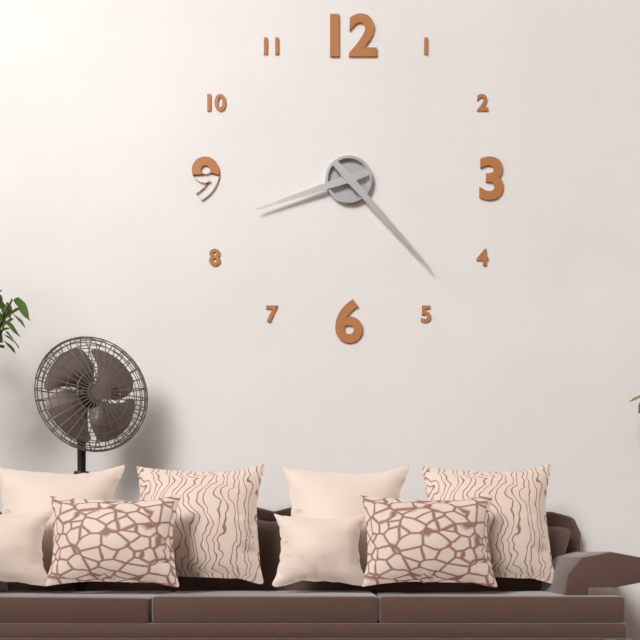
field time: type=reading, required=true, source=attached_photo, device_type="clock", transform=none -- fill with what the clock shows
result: 8:23
